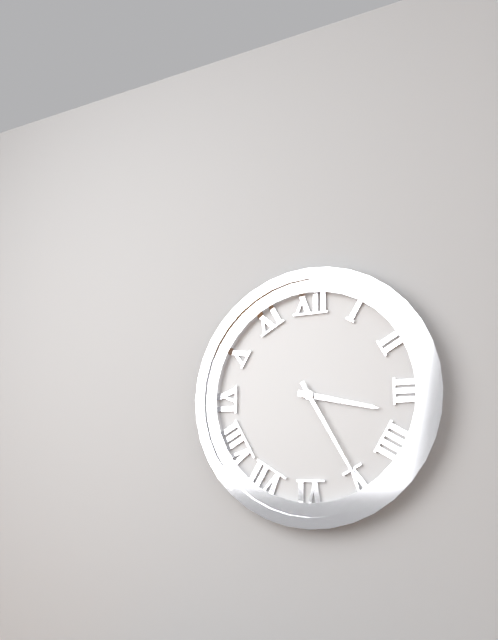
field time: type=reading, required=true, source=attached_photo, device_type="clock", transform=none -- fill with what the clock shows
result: 3:25
